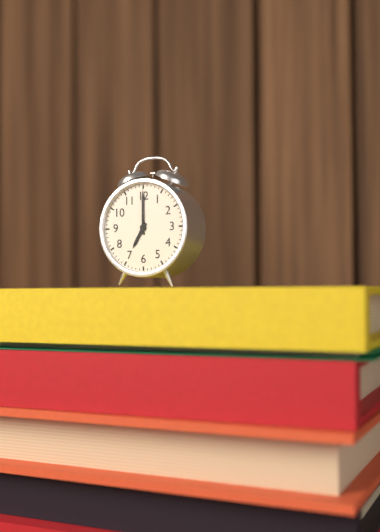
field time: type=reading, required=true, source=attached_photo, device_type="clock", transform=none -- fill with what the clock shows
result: 7:00
